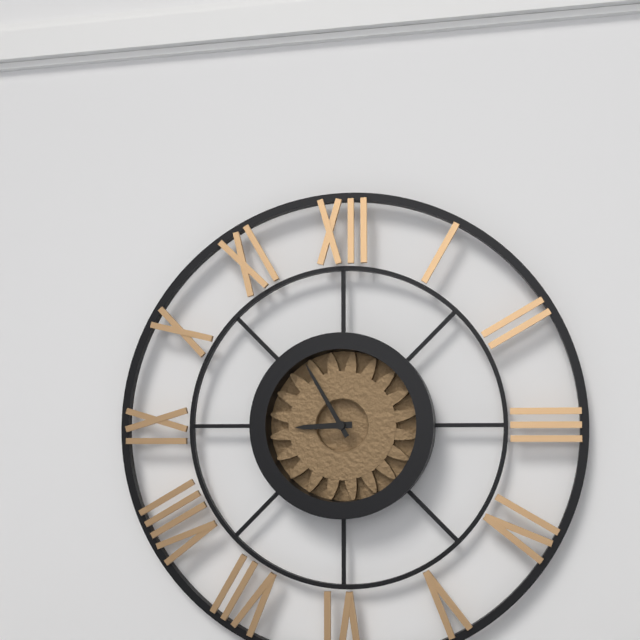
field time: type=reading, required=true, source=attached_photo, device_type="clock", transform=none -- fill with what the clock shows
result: 8:55
